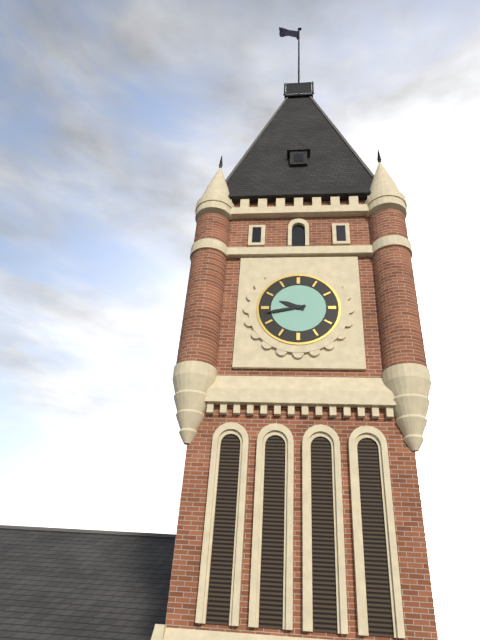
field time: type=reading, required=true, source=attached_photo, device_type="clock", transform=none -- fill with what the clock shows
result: 9:43
